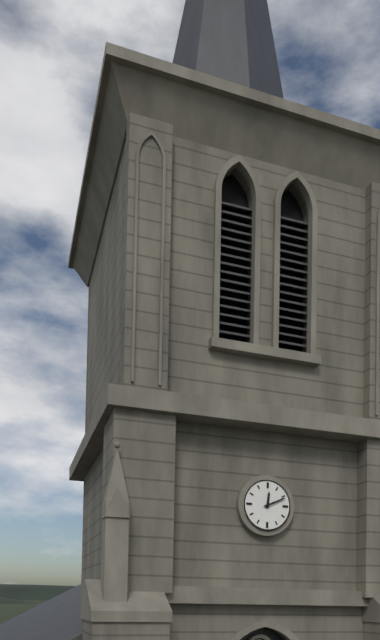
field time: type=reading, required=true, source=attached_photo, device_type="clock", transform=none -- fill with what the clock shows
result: 12:11
